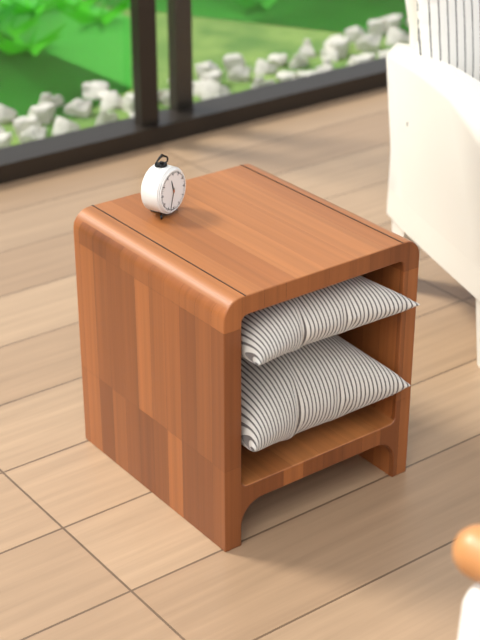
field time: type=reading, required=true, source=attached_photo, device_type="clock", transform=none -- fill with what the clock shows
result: 11:33
